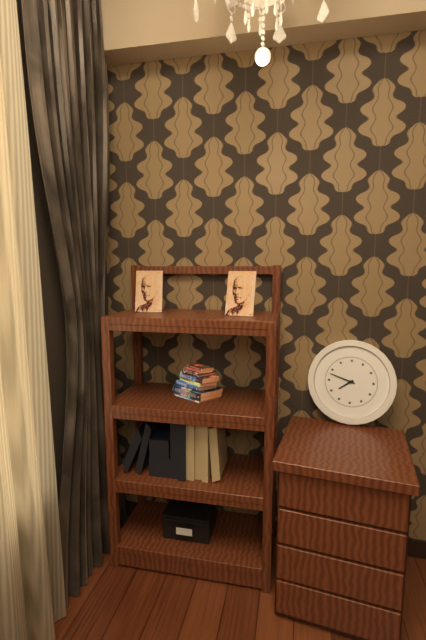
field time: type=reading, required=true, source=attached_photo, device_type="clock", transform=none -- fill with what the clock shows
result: 7:48
